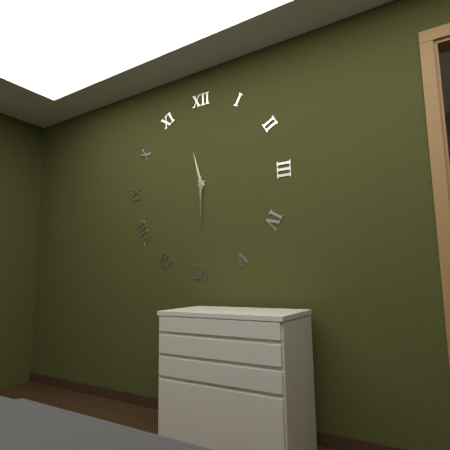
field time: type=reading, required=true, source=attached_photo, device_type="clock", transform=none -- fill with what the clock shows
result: 11:30
